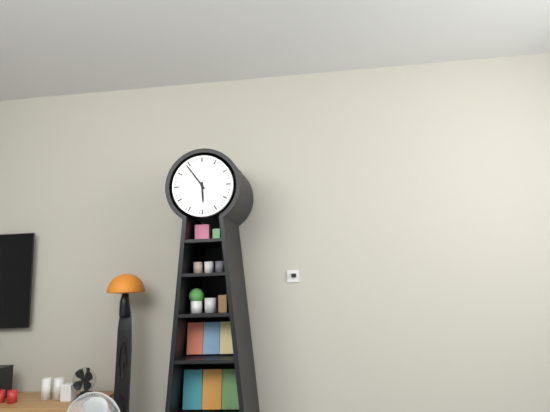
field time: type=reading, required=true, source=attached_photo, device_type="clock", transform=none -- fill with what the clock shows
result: 5:54
